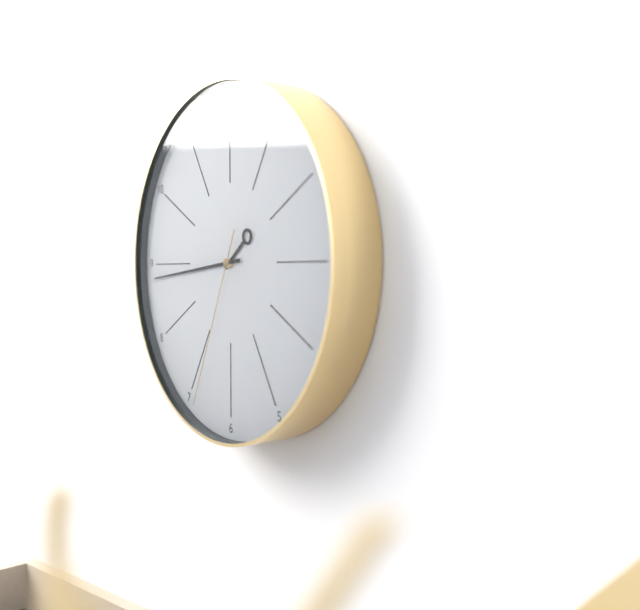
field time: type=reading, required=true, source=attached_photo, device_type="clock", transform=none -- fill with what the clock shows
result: 1:44:34
